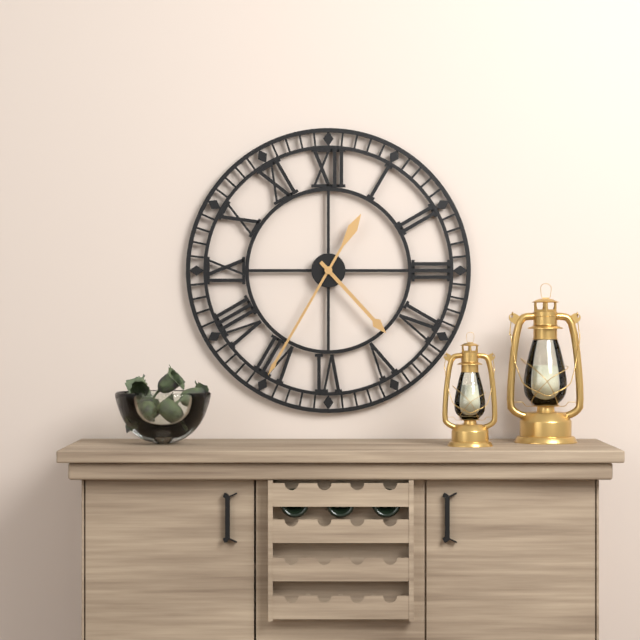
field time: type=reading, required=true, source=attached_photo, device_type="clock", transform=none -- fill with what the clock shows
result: 4:35
